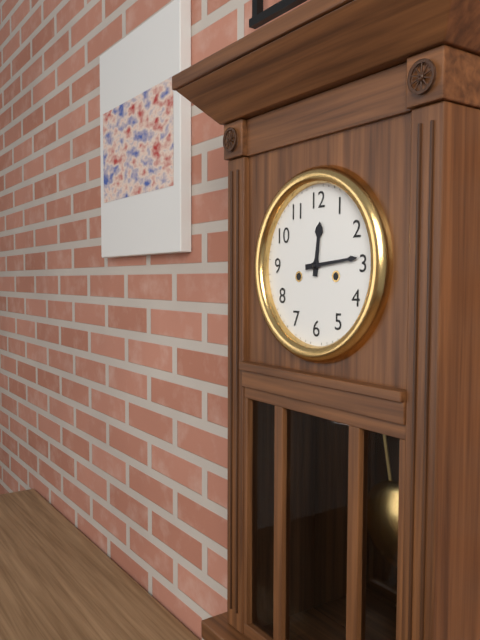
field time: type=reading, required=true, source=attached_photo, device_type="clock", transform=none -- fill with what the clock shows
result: 12:14
